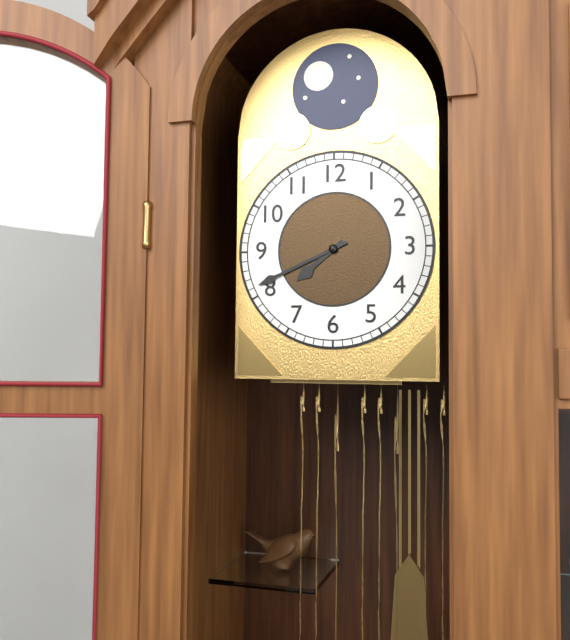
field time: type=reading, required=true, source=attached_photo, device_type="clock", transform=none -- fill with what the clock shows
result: 7:41
